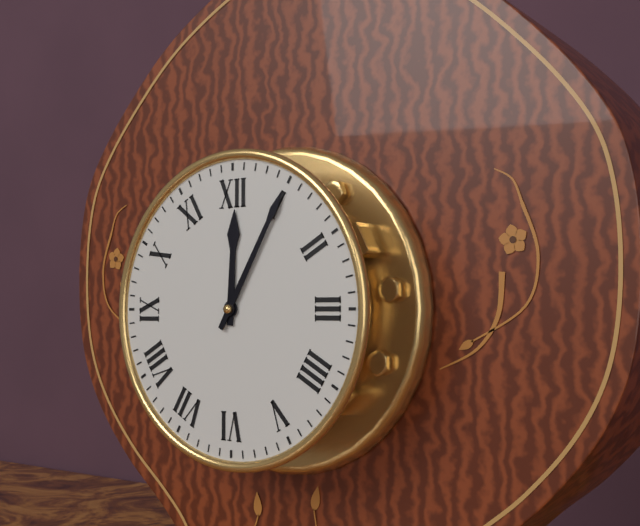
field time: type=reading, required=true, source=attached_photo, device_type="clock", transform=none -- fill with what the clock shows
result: 12:05
